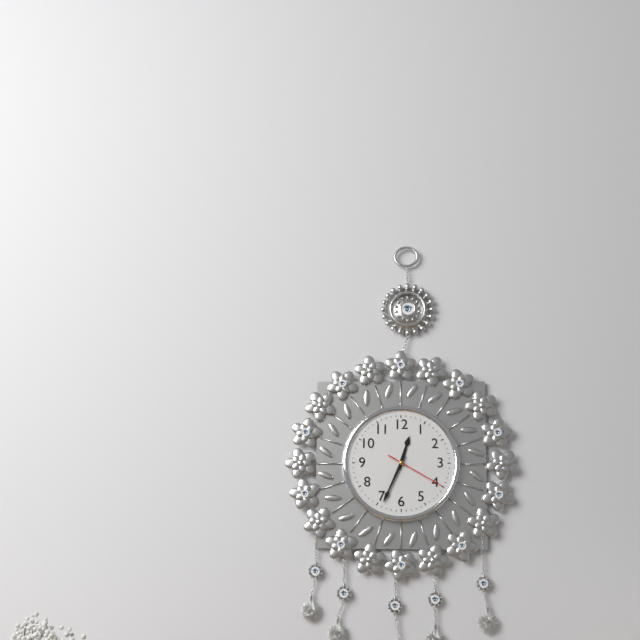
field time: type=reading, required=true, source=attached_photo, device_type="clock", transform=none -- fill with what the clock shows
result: 12:34:20
